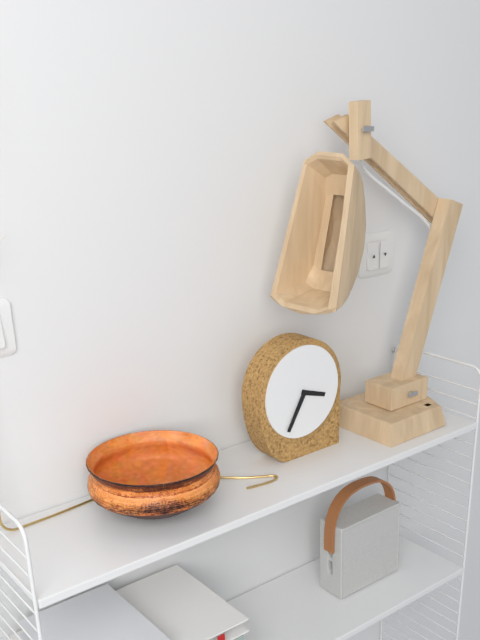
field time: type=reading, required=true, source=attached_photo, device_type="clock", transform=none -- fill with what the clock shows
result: 3:35
